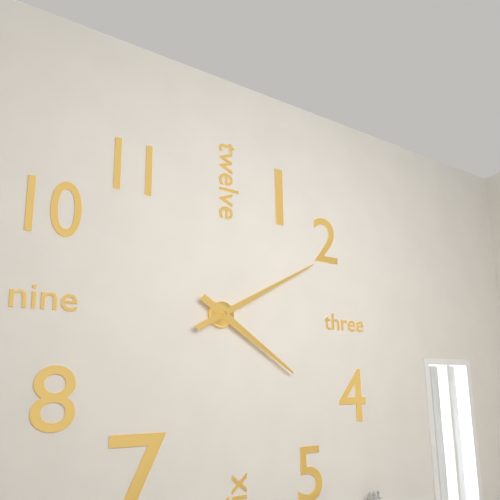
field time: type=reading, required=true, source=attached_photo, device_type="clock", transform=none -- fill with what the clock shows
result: 4:10
